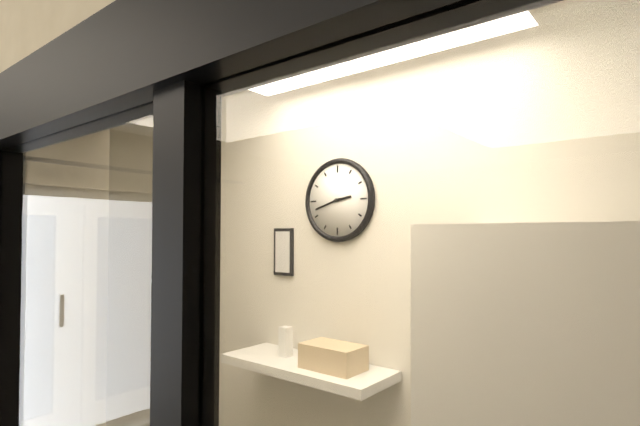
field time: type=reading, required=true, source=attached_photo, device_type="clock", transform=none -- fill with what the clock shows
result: 2:42
